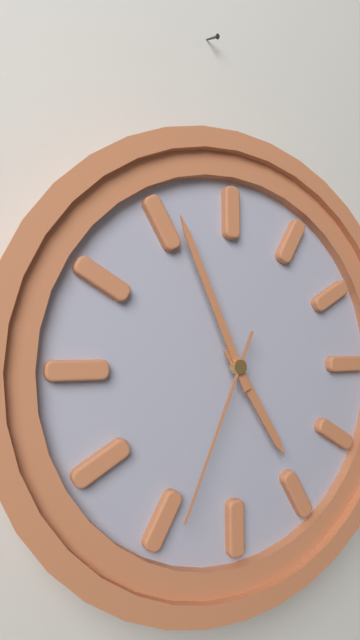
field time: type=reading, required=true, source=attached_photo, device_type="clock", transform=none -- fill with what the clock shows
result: 4:56:34
